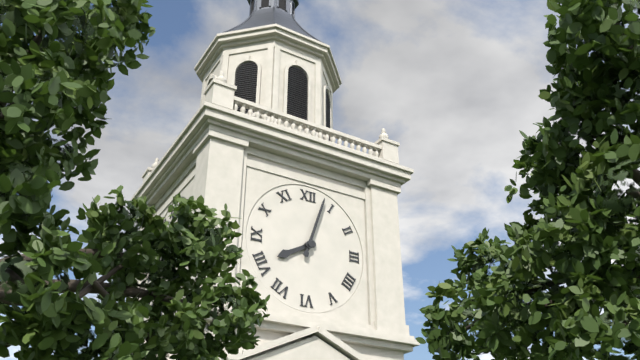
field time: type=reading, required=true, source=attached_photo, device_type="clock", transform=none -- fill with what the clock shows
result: 8:03
